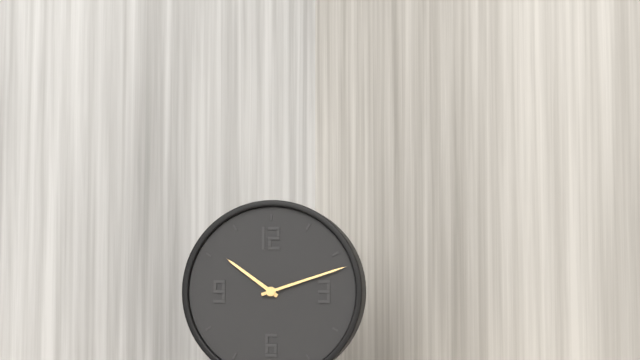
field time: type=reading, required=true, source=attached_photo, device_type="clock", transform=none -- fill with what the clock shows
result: 10:12
